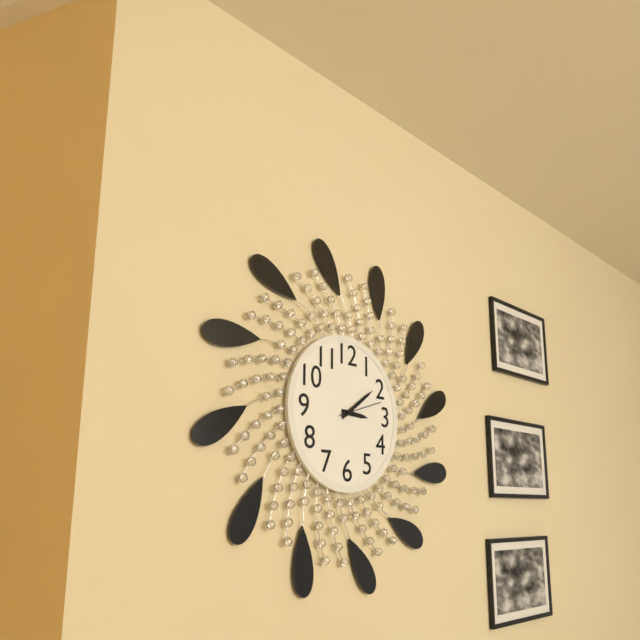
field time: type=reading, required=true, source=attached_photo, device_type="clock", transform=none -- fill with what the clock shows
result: 3:09
